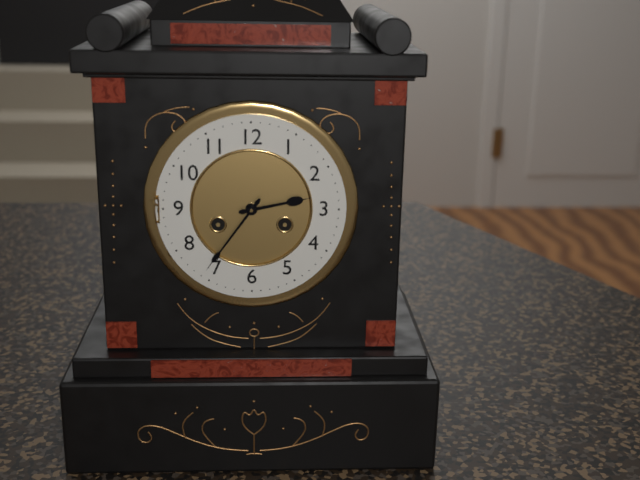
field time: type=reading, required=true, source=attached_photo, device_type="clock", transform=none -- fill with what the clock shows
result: 2:36
